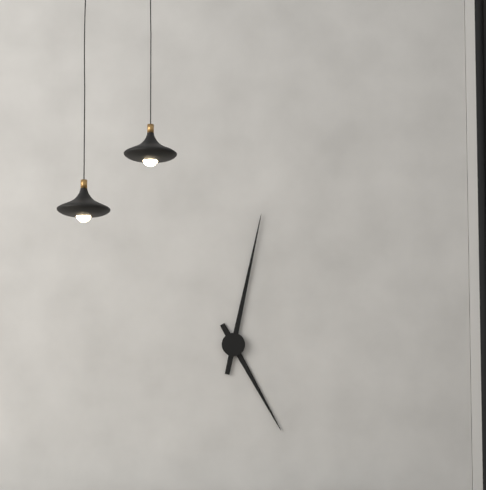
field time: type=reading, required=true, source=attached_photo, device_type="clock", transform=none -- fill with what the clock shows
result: 5:02
